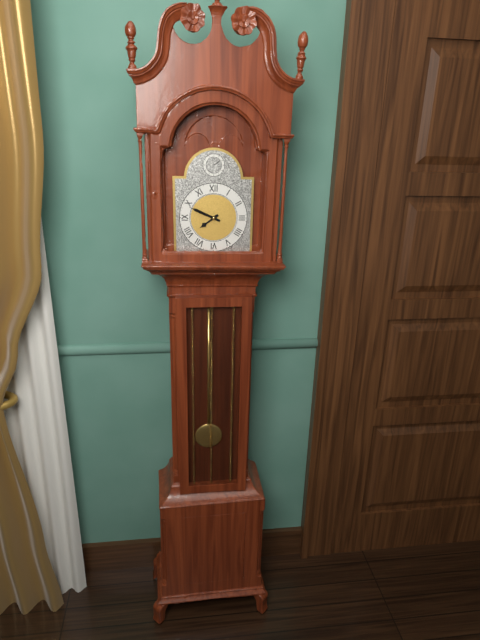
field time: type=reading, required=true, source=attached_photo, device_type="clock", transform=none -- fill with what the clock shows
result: 7:49
